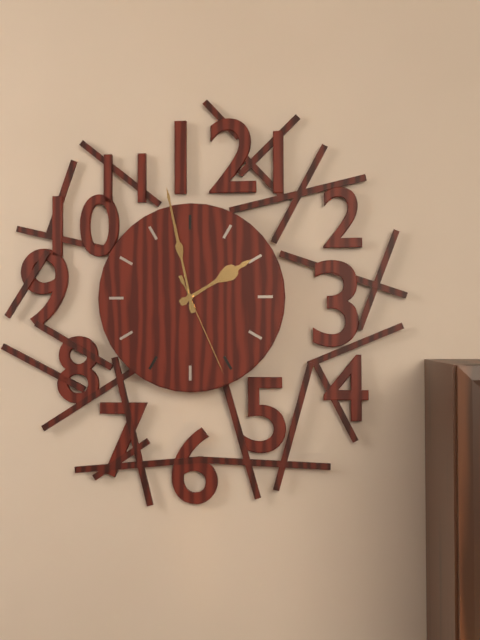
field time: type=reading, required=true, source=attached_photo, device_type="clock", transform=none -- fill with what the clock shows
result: 1:58:26
